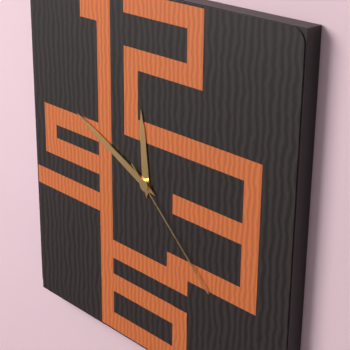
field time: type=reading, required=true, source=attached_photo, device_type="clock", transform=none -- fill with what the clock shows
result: 11:49:22
